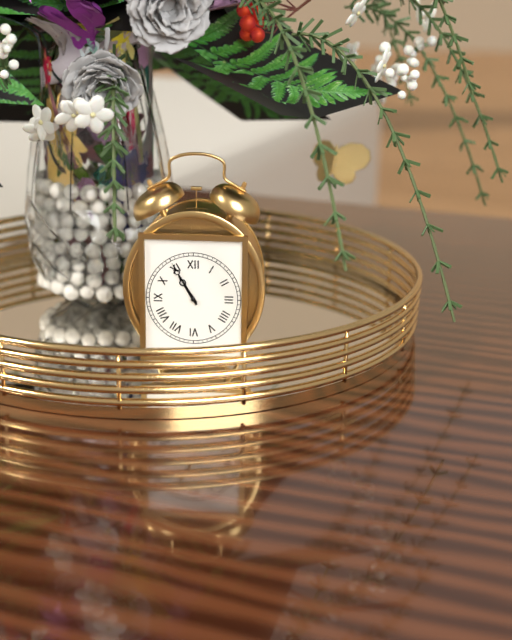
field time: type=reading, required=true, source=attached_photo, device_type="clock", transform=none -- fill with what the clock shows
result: 10:55
